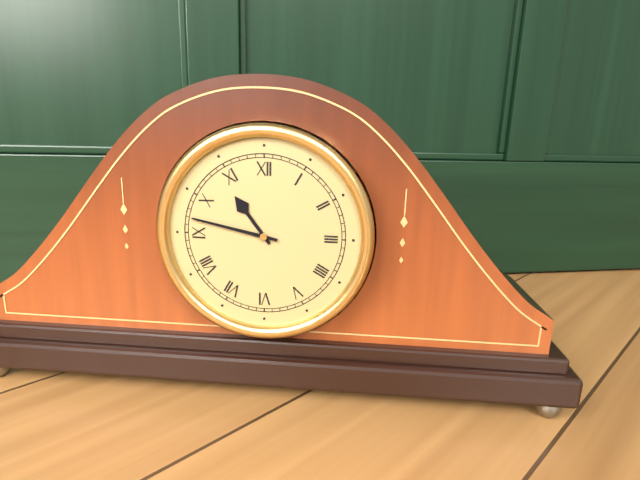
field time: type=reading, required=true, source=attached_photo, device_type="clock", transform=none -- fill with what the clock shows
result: 10:47
